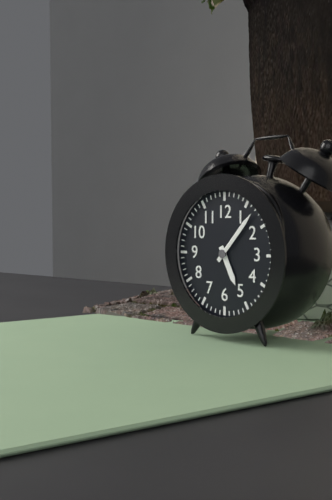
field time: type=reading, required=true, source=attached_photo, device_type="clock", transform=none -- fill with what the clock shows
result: 5:07
